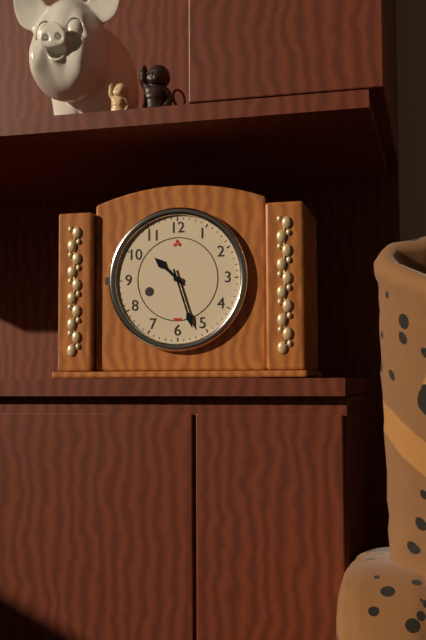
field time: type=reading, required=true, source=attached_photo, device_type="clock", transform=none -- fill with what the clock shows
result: 10:27
